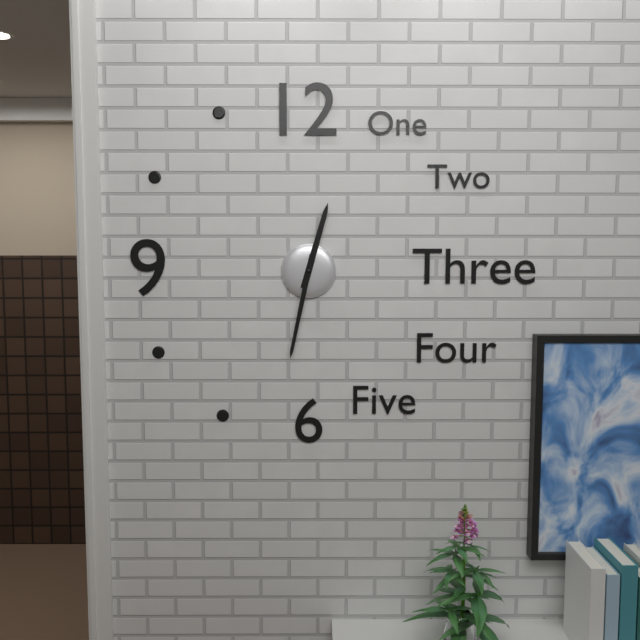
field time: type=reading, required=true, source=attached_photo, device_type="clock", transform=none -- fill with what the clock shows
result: 12:32
